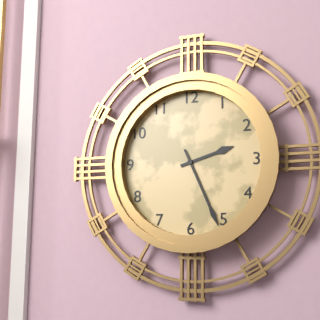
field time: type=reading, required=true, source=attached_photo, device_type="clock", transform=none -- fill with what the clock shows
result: 2:26
